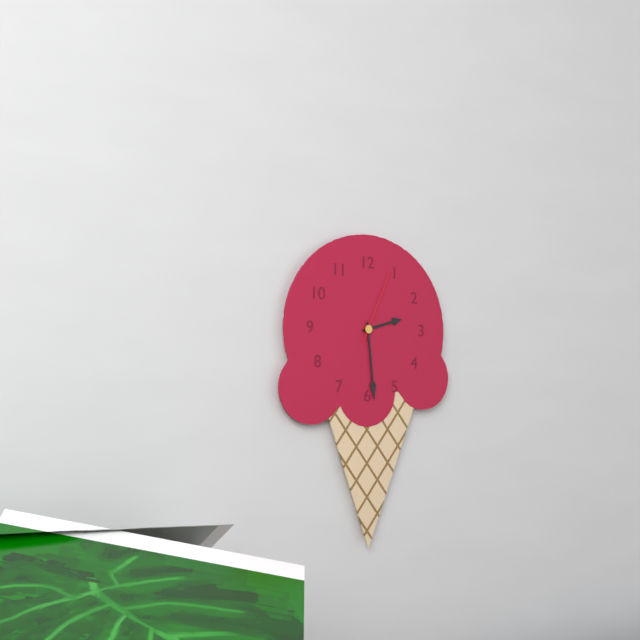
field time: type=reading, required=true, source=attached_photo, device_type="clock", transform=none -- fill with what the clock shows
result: 2:29:04
